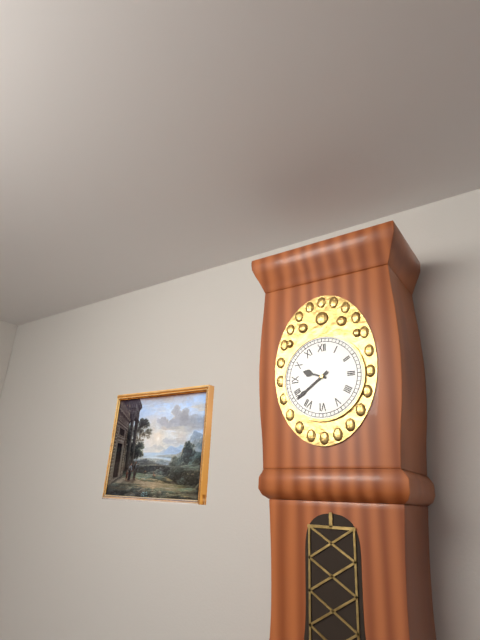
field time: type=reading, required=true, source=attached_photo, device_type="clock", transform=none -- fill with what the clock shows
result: 9:39
